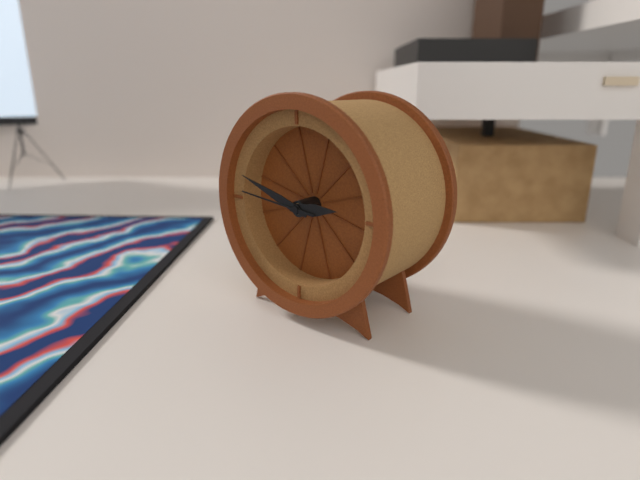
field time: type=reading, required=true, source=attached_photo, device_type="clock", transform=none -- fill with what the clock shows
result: 2:48:46
